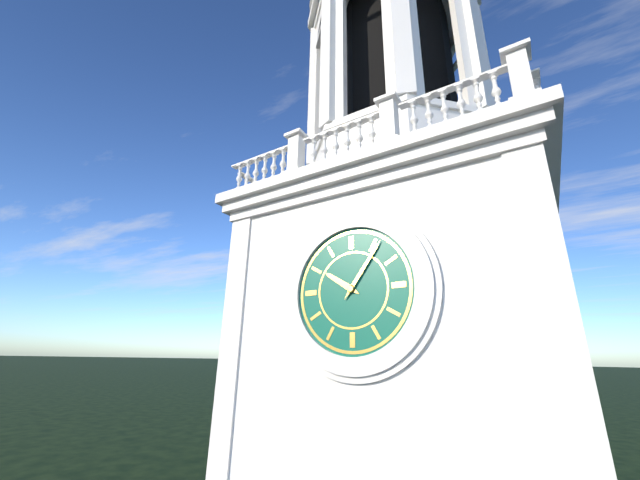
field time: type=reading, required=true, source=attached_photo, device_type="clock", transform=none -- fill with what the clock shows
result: 10:06
